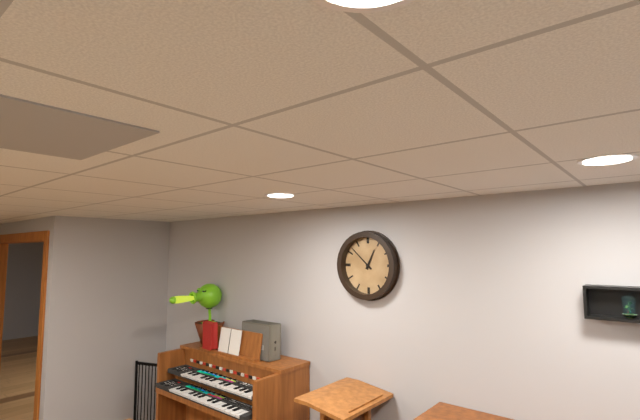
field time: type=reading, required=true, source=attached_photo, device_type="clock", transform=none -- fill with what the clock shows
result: 12:52
